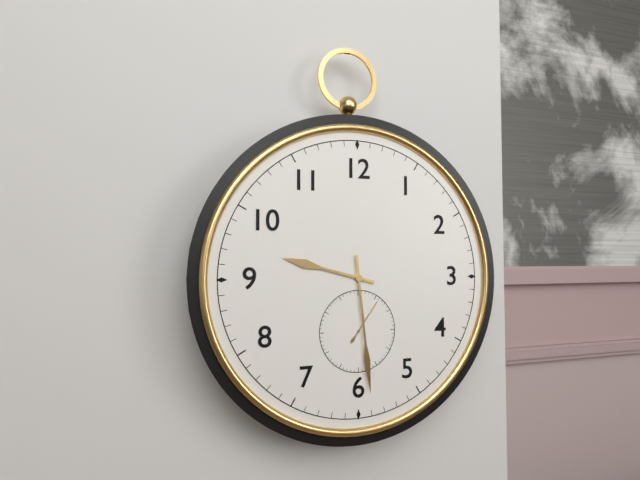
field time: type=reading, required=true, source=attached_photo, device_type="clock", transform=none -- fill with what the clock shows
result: 9:29:06
